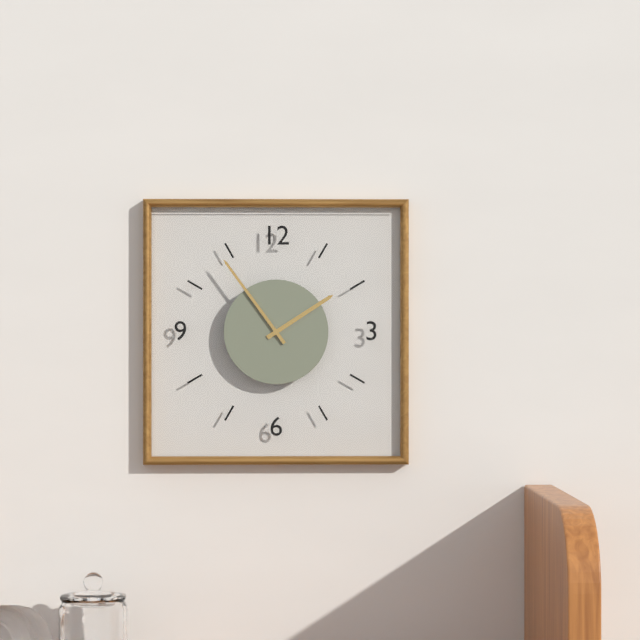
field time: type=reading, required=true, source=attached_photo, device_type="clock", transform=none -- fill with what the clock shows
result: 1:54
